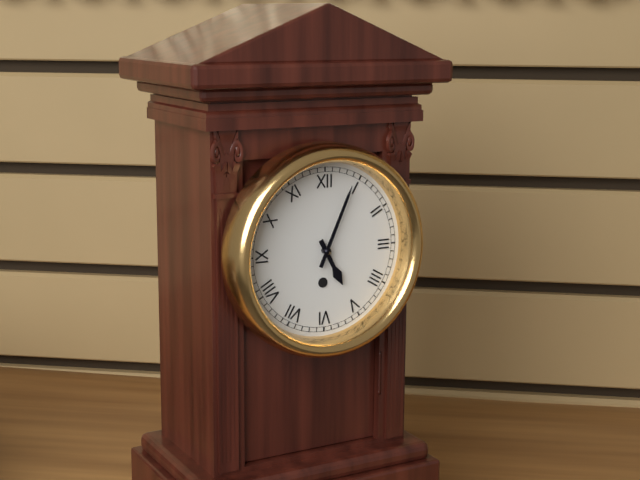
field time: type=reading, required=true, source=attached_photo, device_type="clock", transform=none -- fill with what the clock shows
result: 5:04
